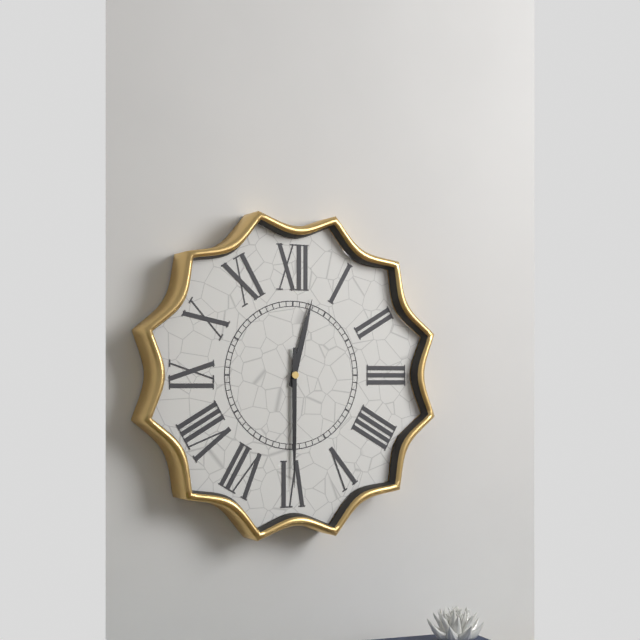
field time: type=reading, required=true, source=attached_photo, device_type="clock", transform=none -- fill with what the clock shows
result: 12:30
